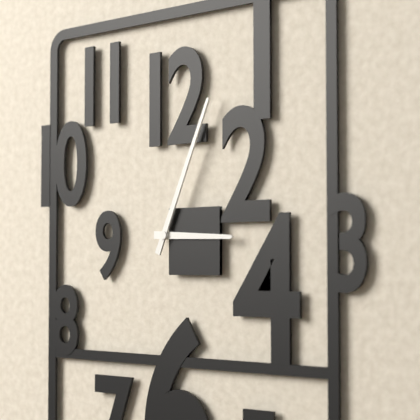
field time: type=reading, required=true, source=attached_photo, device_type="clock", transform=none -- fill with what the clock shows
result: 3:04
